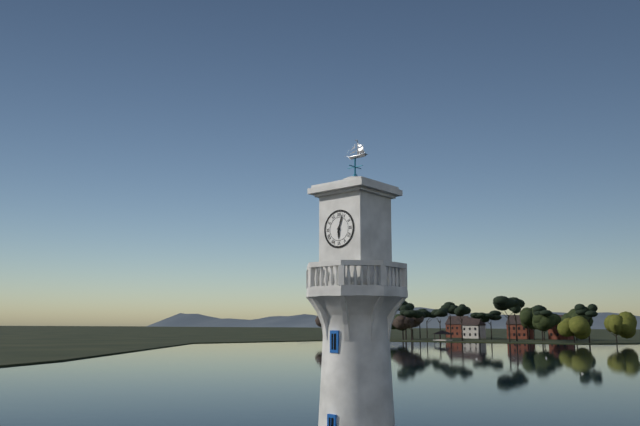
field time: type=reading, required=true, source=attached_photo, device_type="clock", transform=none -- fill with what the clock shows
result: 6:03
